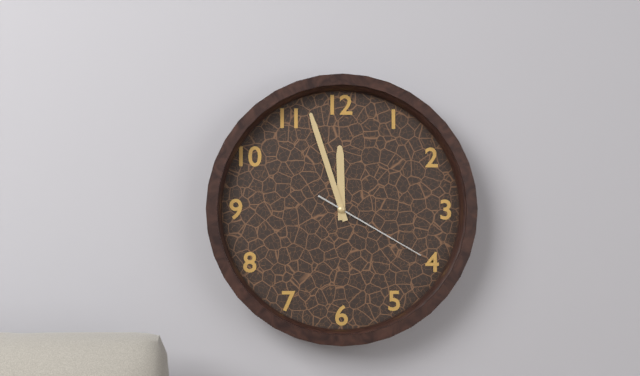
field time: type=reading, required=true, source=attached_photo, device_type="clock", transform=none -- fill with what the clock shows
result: 11:57:20
